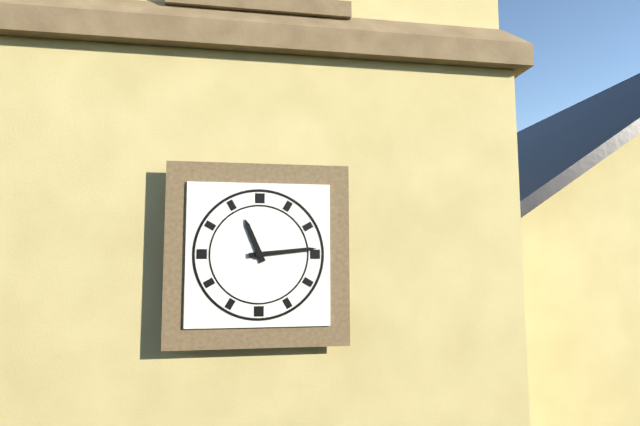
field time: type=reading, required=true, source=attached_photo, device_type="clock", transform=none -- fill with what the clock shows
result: 11:14
